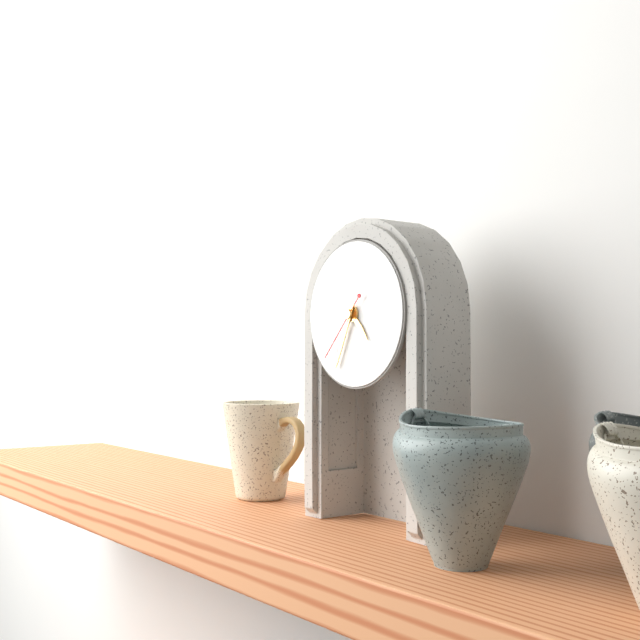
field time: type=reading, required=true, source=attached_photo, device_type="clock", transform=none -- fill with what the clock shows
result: 4:34:37
